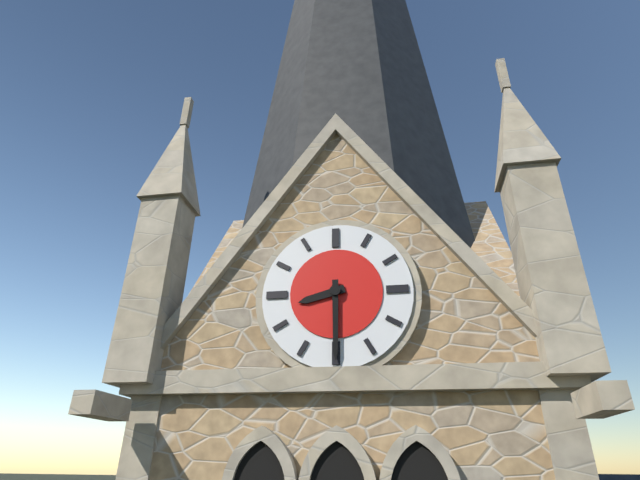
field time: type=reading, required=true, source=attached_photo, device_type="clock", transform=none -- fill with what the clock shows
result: 8:30
